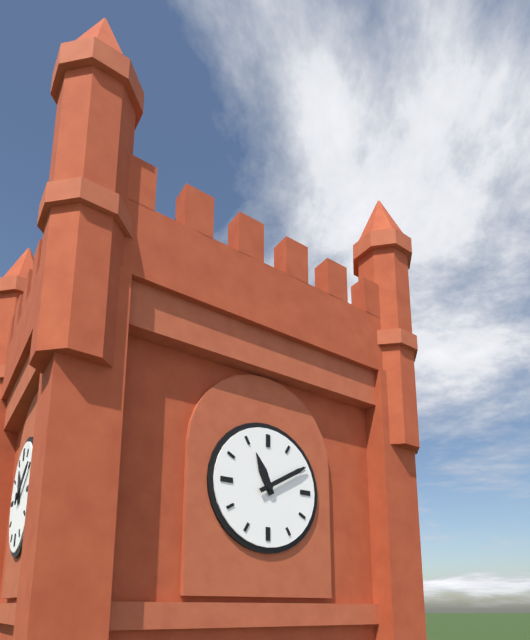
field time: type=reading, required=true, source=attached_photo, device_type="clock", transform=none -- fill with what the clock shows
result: 11:10
